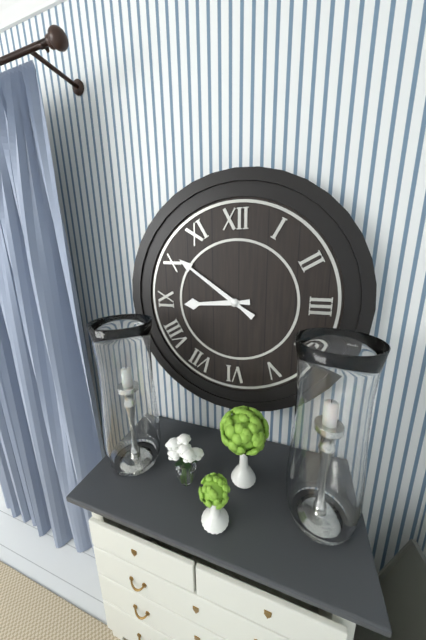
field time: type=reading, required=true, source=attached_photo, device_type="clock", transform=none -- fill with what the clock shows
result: 8:51
